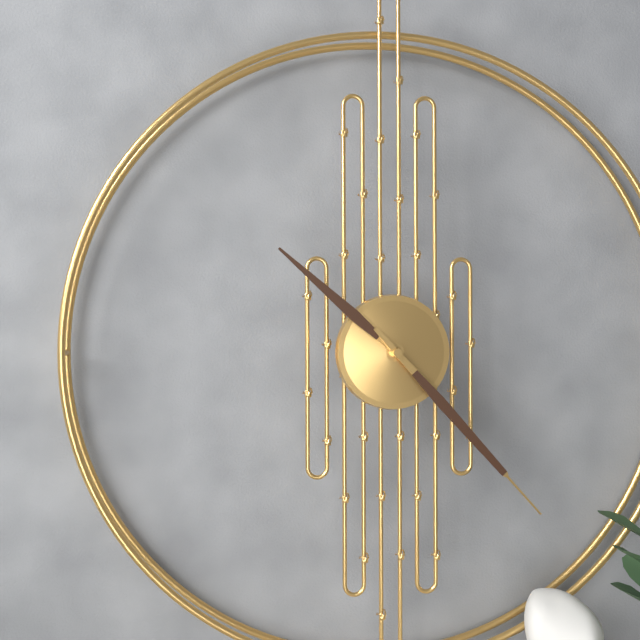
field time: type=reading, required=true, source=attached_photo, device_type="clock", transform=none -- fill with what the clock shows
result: 10:23
